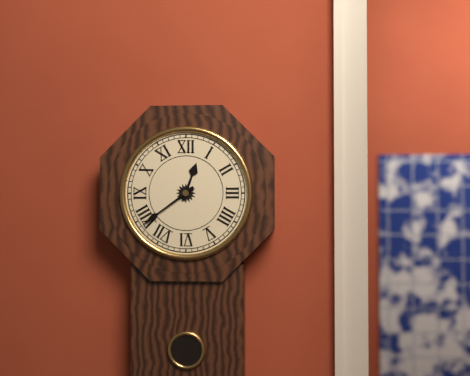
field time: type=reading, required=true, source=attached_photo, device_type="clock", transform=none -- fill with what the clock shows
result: 12:39
